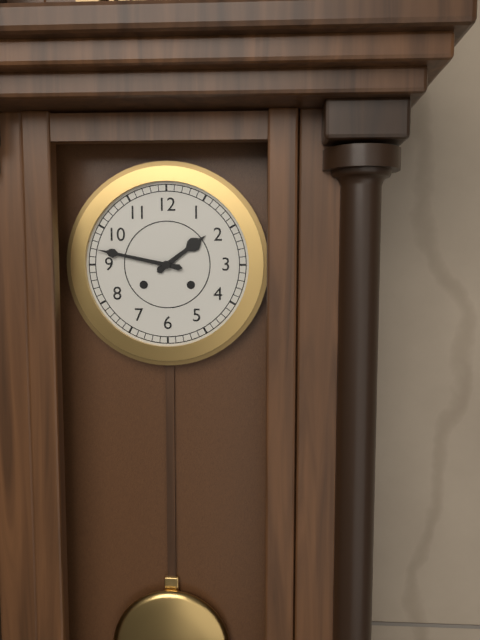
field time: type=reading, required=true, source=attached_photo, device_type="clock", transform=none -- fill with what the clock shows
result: 1:47
